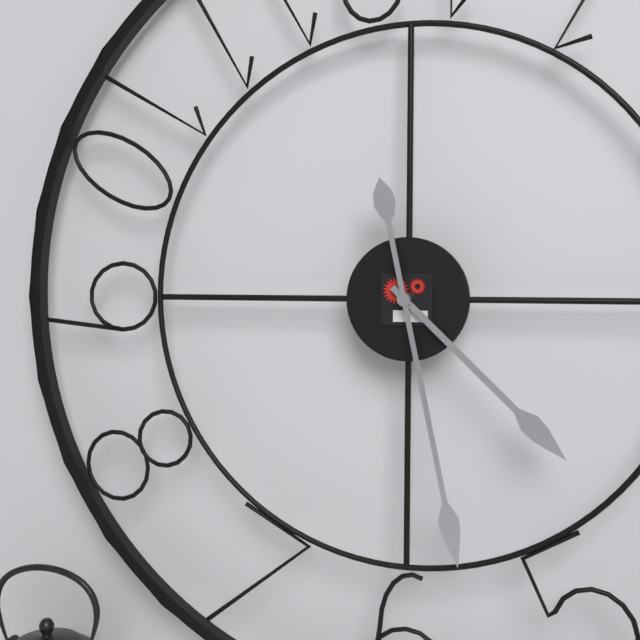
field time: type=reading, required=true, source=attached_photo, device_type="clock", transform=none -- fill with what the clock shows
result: 4:28
